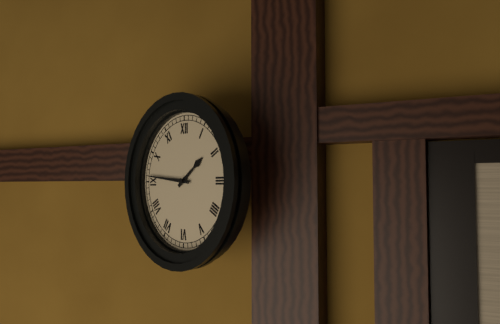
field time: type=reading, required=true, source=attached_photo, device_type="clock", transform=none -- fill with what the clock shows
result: 1:46
